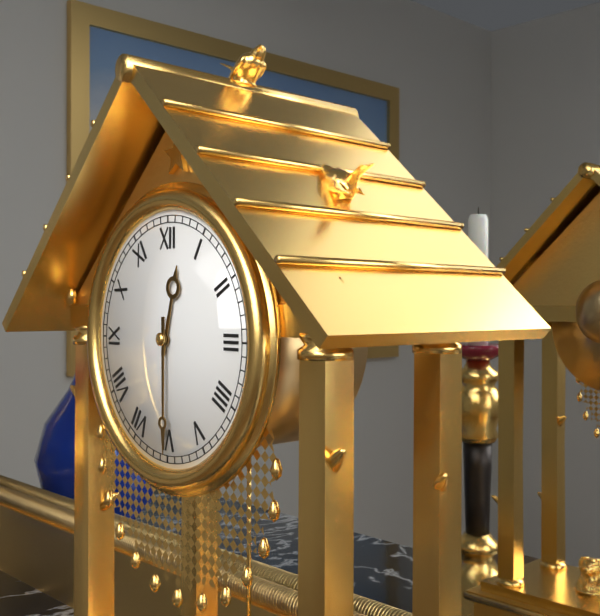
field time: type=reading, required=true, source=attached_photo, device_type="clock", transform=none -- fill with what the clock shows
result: 12:30
